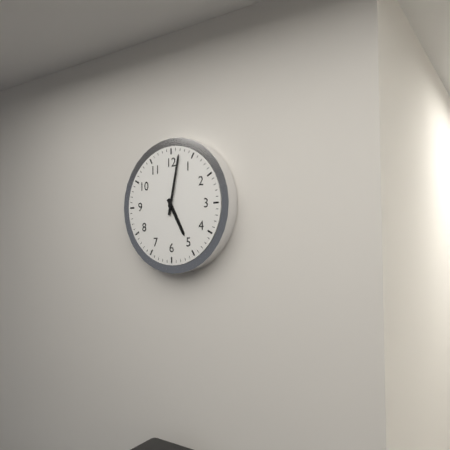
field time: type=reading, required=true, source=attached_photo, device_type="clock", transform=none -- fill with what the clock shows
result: 5:02
